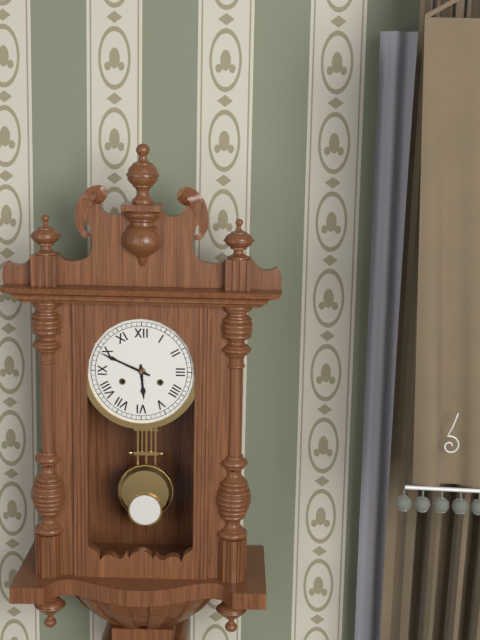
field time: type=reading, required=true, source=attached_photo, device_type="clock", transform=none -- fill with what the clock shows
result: 5:49
